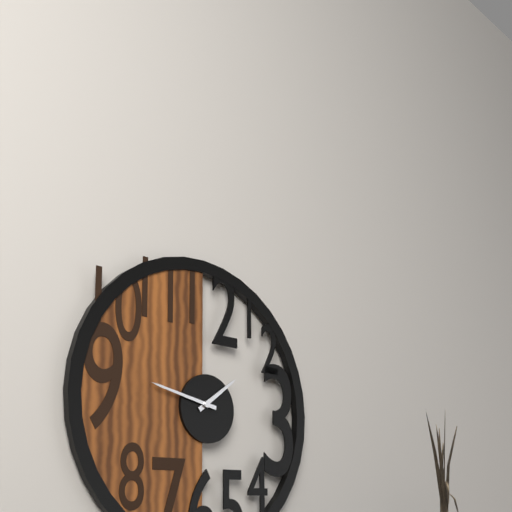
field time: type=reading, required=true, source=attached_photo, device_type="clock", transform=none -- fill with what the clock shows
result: 1:47
